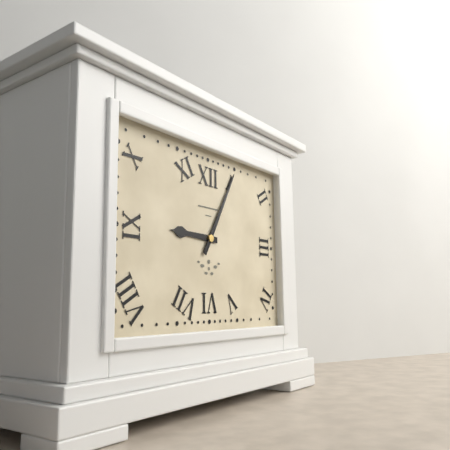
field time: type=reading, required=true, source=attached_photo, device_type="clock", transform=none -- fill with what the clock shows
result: 9:05
